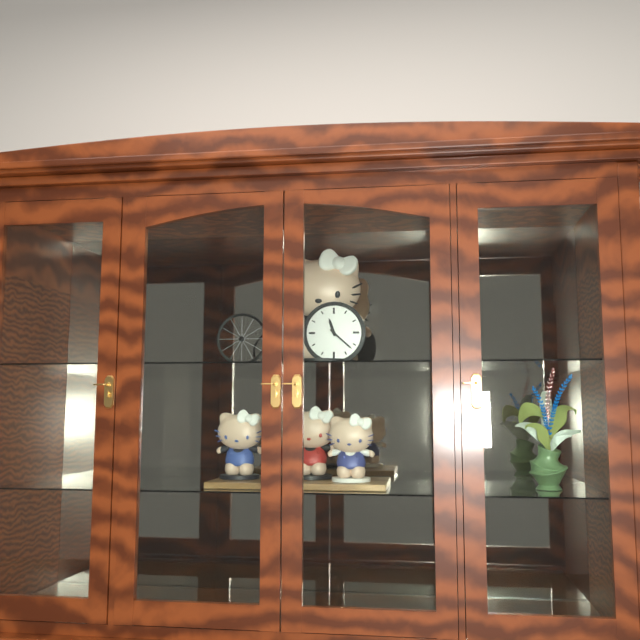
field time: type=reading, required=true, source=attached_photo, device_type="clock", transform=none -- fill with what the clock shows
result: 11:22
